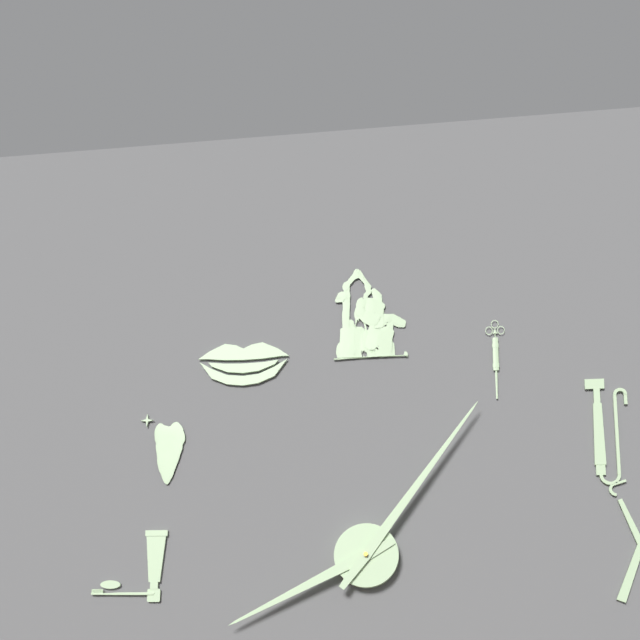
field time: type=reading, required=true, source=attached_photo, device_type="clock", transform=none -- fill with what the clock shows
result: 8:06
